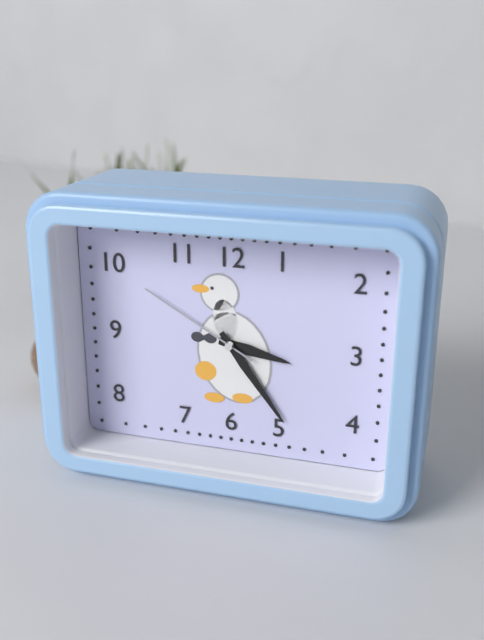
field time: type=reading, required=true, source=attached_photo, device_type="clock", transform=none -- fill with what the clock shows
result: 3:24:50
